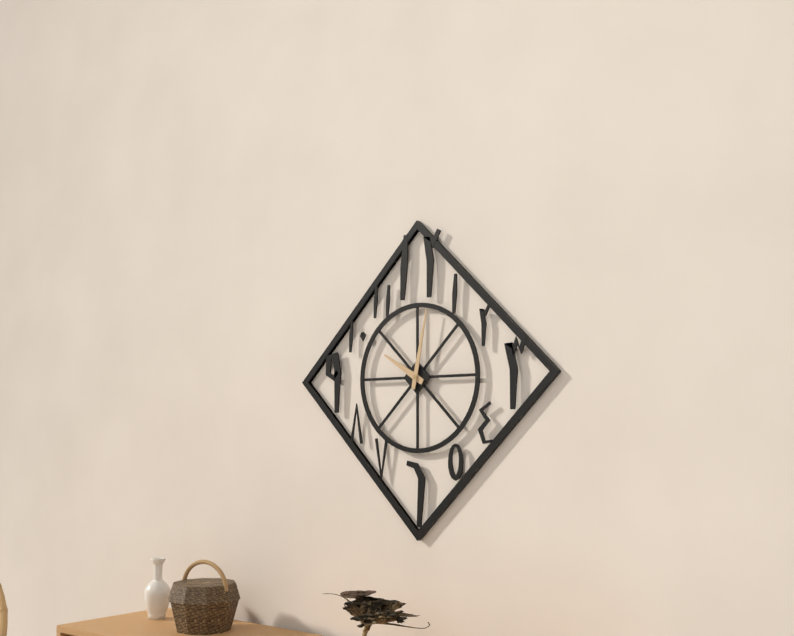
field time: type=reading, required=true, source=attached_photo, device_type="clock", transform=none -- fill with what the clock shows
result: 10:02
